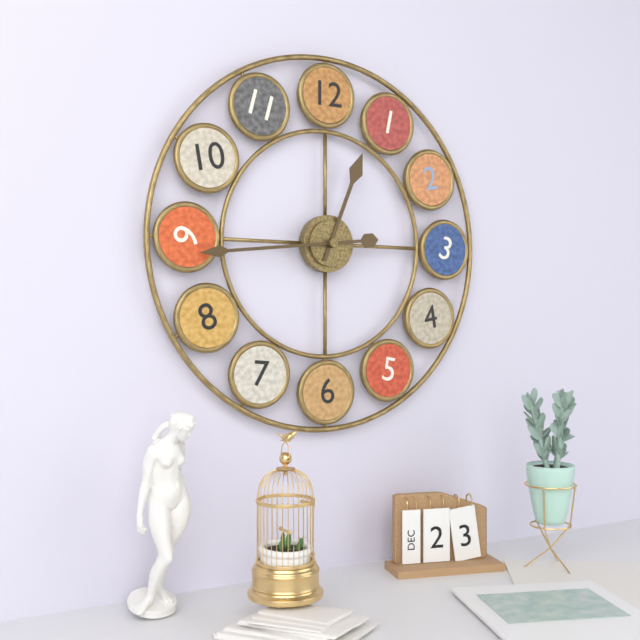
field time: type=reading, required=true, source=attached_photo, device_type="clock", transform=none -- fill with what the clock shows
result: 12:44
